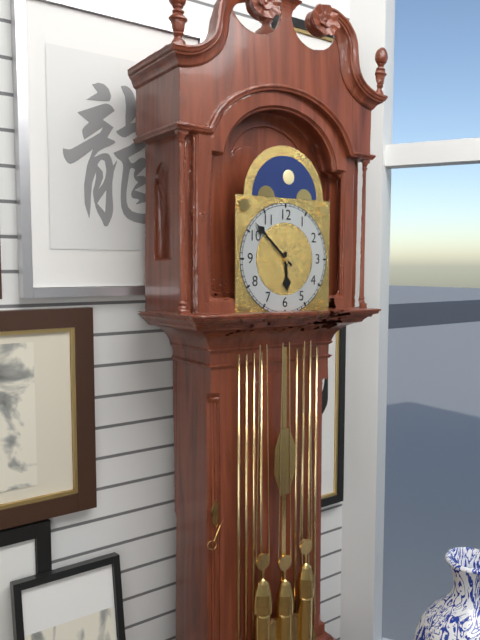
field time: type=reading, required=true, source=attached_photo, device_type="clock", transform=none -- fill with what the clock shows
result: 5:52
